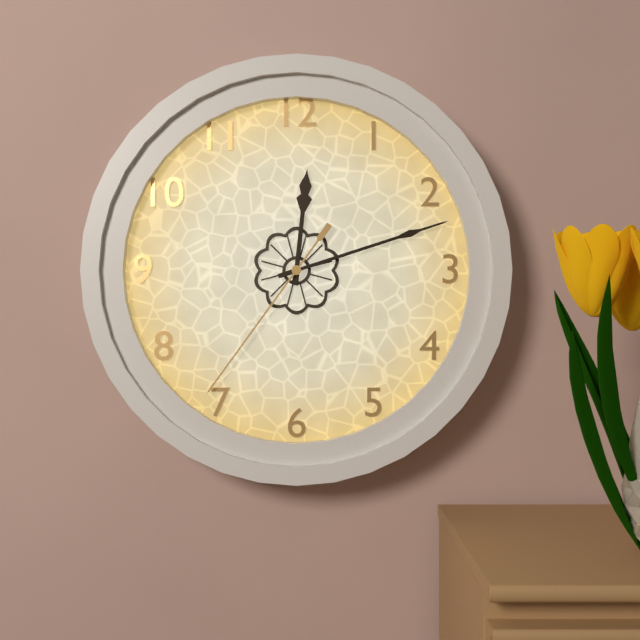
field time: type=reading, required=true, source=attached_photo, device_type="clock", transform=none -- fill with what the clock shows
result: 12:12:36
